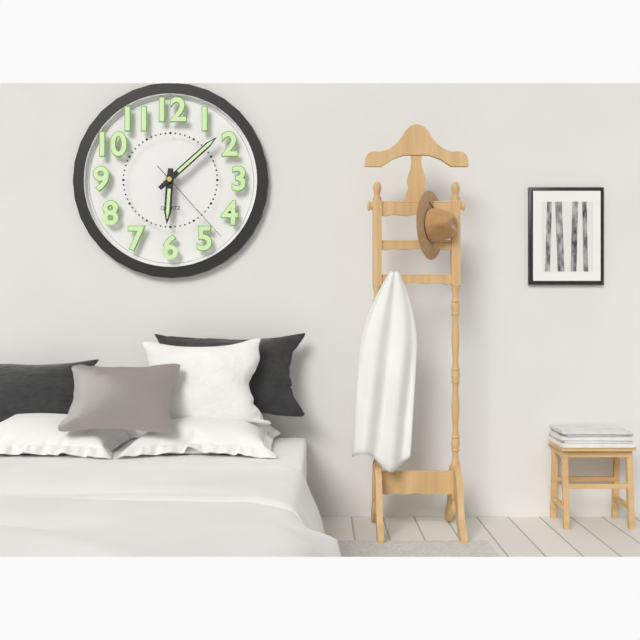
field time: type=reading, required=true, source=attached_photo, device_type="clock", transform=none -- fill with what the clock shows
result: 6:08:23
